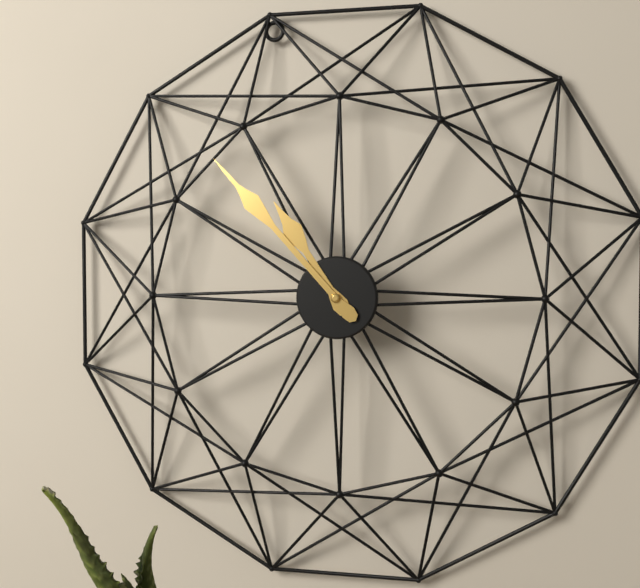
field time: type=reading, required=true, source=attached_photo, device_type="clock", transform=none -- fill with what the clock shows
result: 10:53
